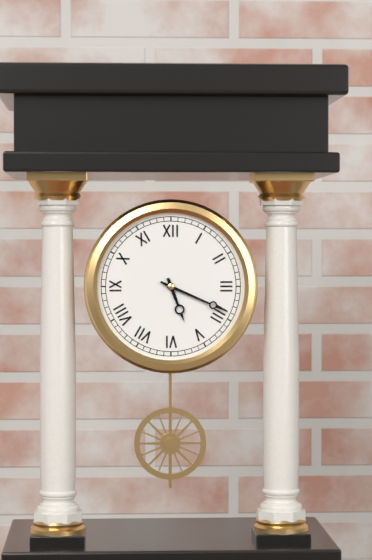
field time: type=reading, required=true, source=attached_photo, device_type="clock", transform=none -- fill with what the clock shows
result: 5:19
